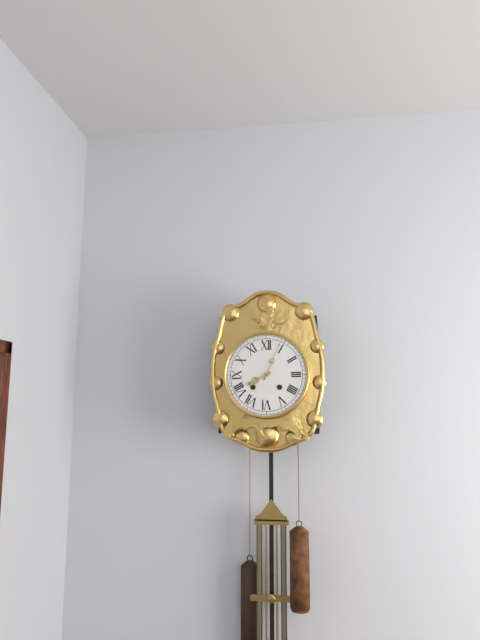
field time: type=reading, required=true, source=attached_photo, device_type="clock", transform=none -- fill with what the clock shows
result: 8:04
